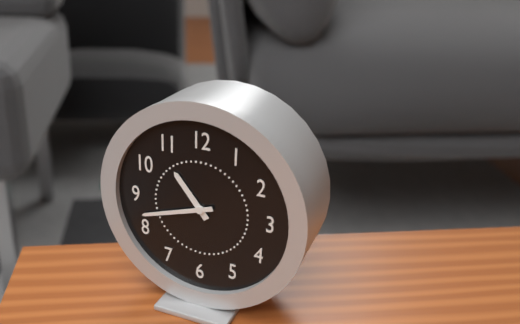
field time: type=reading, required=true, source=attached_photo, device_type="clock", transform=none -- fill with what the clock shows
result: 10:42
